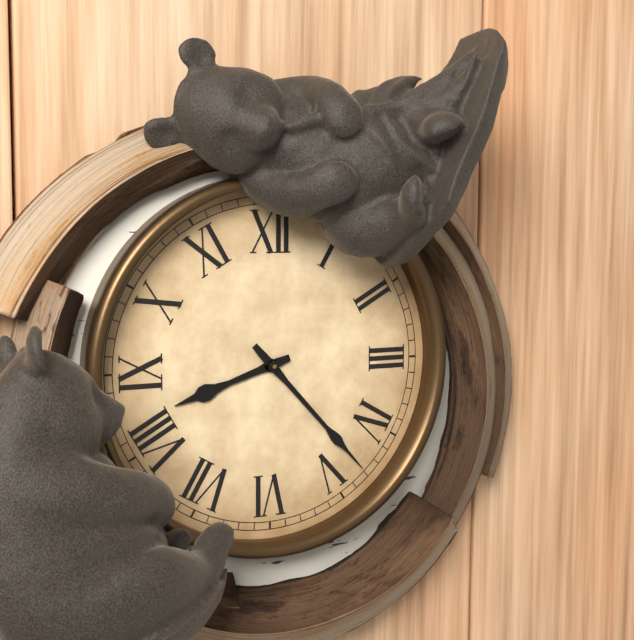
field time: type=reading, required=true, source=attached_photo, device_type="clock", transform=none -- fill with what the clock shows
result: 8:23
